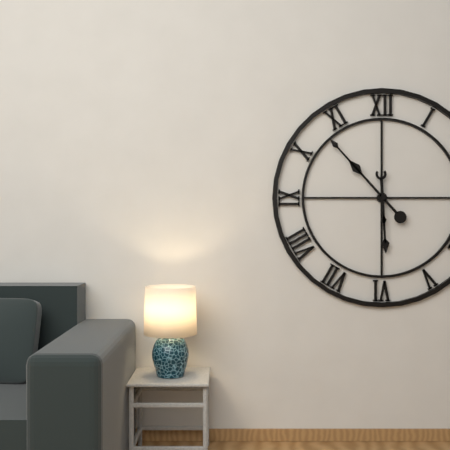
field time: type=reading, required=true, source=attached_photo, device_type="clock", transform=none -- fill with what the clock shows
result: 5:53
